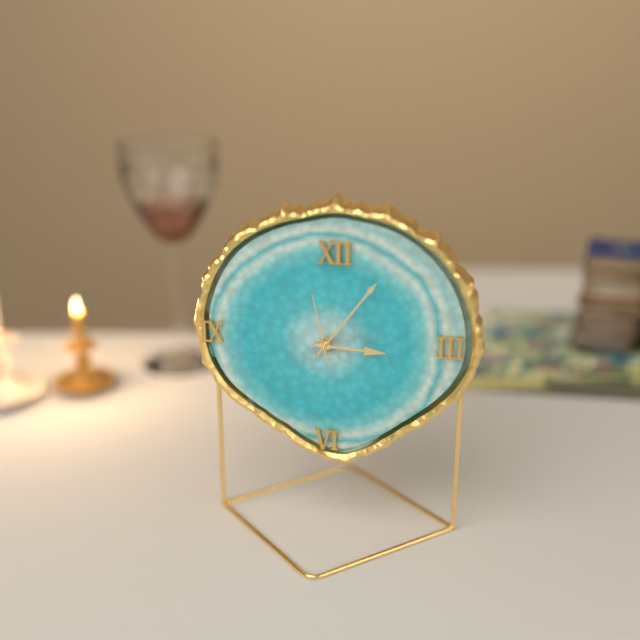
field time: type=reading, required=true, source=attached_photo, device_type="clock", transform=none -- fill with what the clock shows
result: 3:06:58
